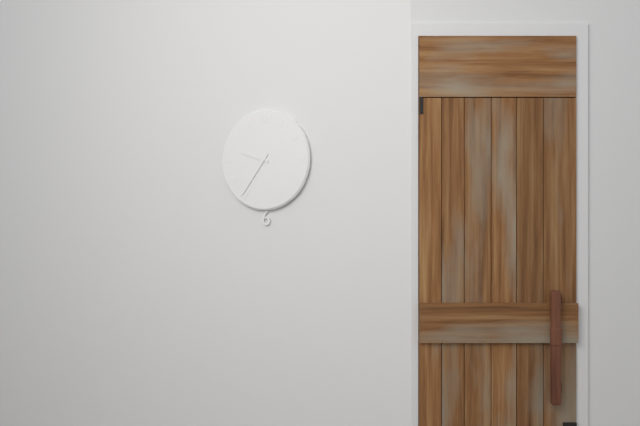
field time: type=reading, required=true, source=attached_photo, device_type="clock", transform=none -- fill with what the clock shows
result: 9:36
